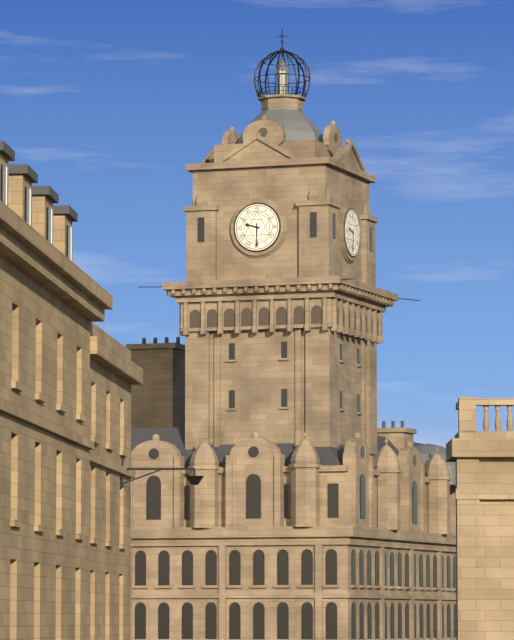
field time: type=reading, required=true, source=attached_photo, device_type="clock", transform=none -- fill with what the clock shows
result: 9:30
